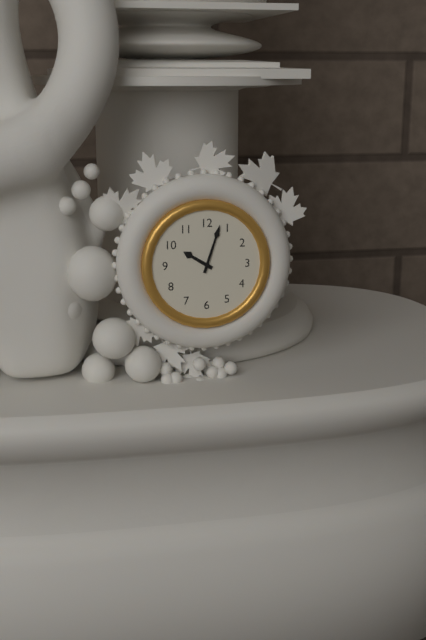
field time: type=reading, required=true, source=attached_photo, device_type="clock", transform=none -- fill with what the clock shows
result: 10:03
